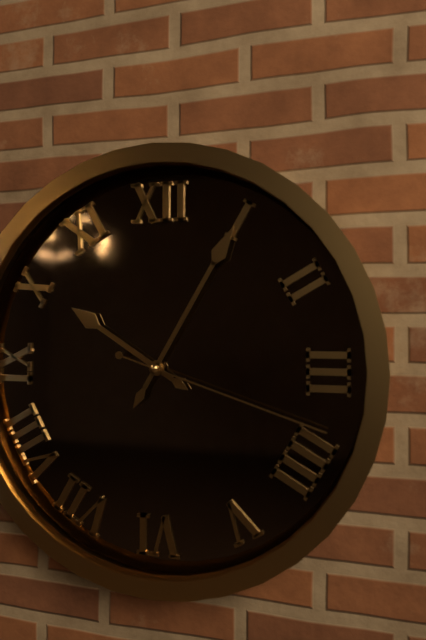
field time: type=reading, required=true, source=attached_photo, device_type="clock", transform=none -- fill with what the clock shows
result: 10:05:18
